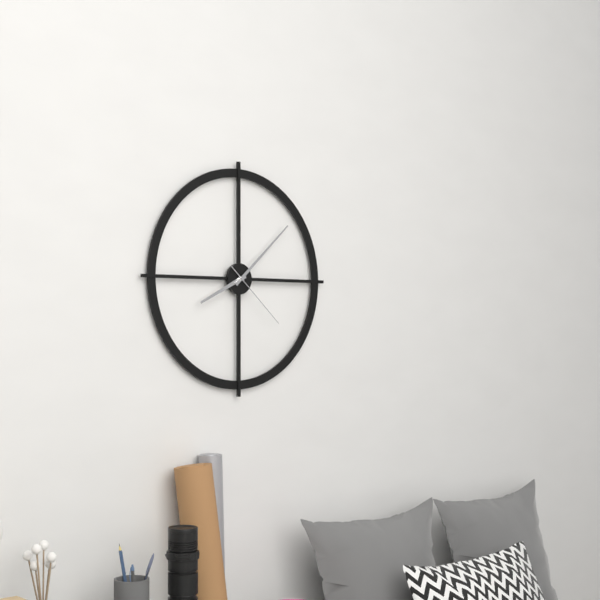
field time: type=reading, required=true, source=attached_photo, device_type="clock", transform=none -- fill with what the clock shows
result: 8:08:22
